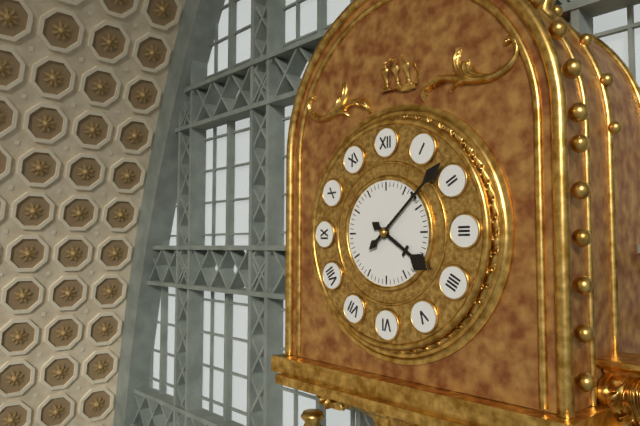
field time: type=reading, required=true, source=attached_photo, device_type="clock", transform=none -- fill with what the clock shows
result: 4:08
